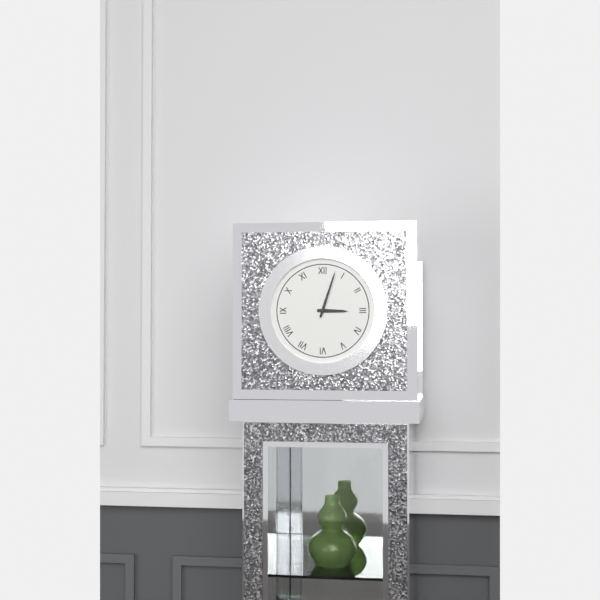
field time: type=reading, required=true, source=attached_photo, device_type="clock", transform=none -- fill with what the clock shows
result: 3:03
